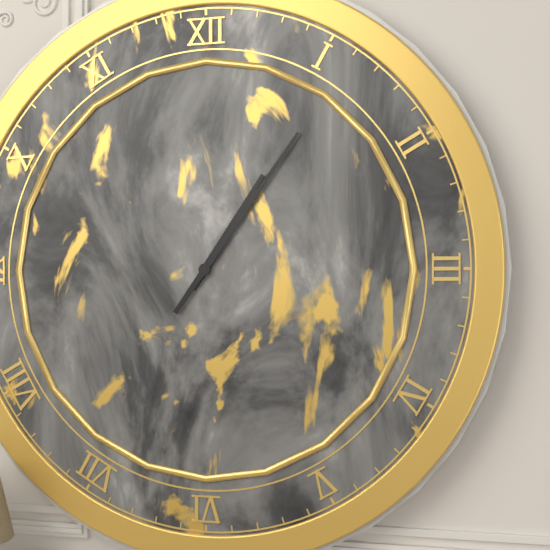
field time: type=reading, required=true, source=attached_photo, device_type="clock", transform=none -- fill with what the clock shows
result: 1:06
